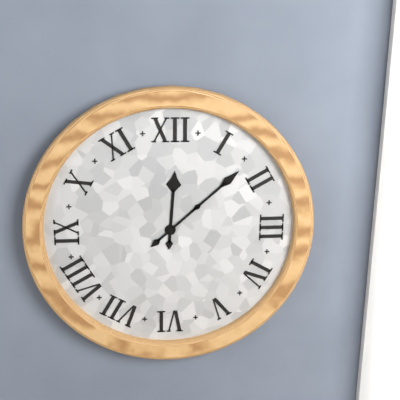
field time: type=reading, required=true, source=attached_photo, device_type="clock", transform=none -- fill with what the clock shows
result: 12:08
